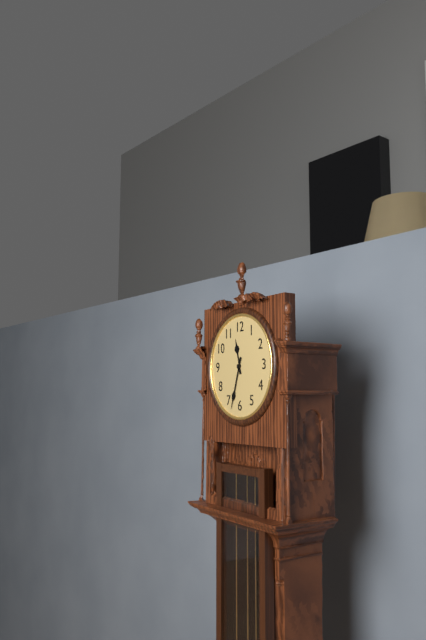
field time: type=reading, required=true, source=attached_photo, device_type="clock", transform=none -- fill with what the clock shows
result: 11:33
